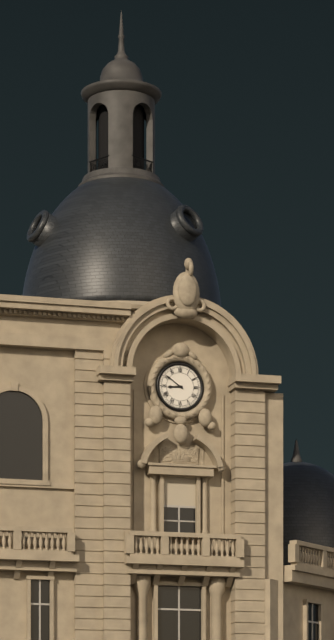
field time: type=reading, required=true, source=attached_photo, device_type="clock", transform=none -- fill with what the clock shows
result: 8:51
